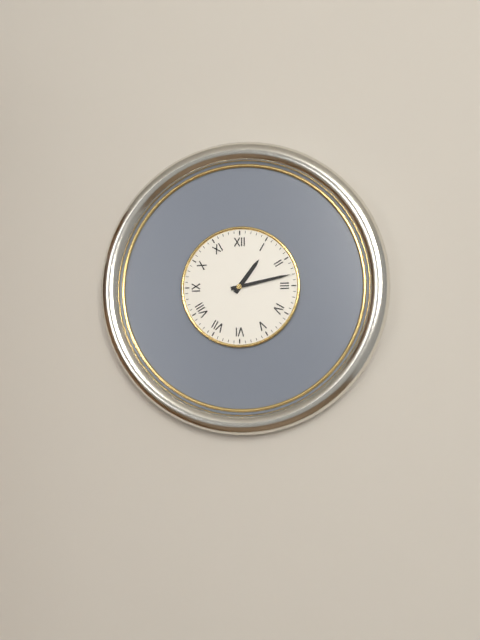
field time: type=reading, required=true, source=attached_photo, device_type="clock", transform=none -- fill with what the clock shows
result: 1:13
